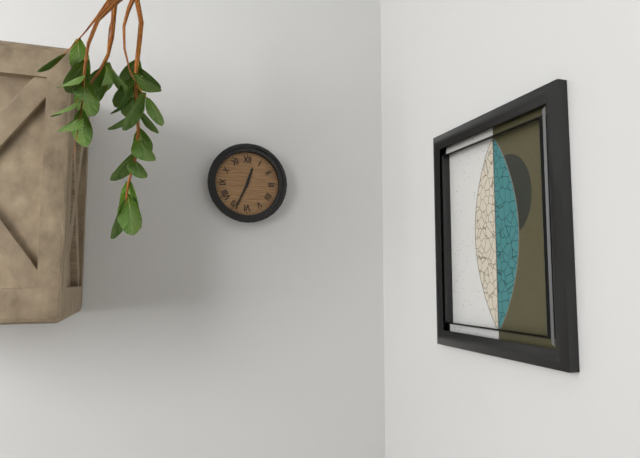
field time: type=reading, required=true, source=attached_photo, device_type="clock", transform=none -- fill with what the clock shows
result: 12:34
